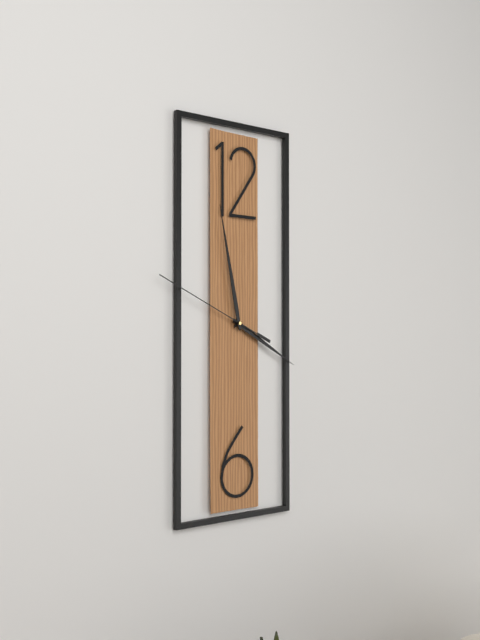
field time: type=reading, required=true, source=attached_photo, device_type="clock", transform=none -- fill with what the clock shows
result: 3:58:49
